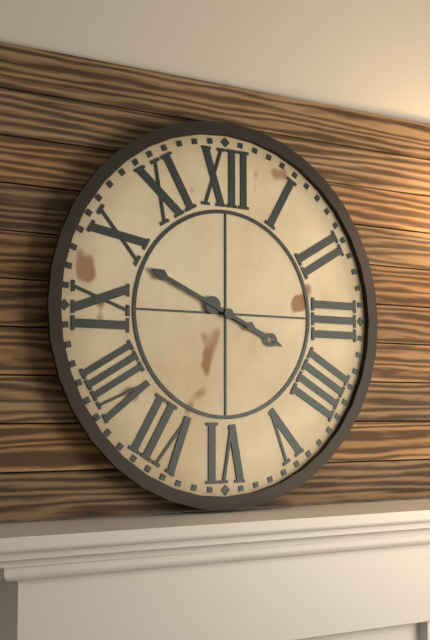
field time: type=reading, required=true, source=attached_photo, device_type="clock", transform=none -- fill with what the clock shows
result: 3:49
